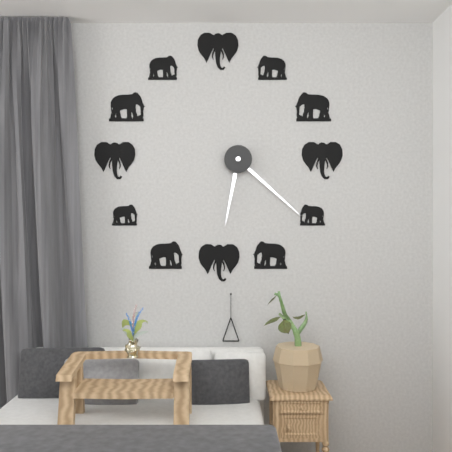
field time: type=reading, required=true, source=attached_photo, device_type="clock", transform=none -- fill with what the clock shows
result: 6:22
